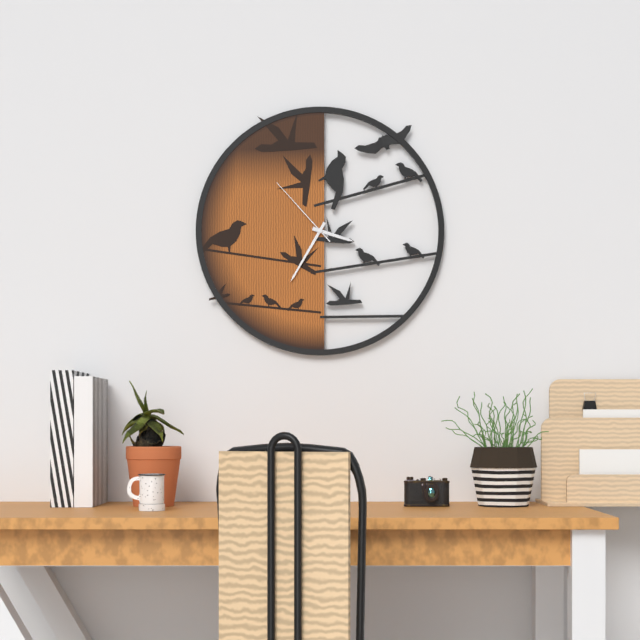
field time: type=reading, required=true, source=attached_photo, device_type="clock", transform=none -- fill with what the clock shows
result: 3:35:53
